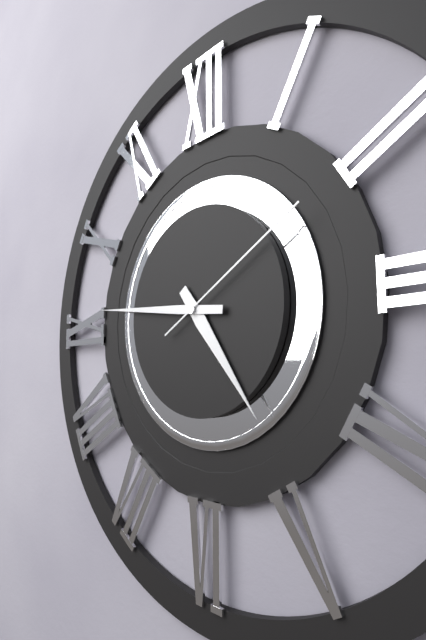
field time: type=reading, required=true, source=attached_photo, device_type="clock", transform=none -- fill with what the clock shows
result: 4:46:10
